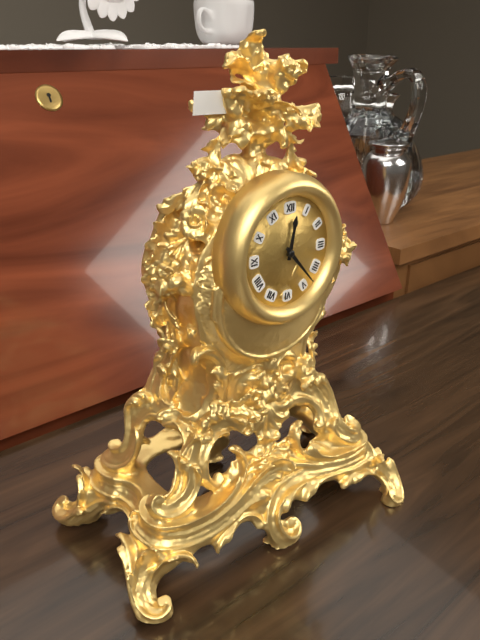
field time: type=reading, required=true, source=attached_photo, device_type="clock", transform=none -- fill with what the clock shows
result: 12:23
